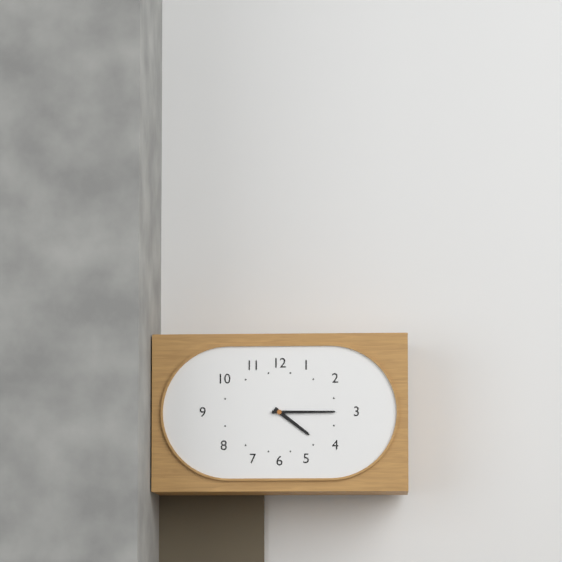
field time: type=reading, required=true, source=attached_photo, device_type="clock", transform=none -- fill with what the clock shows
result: 4:15
